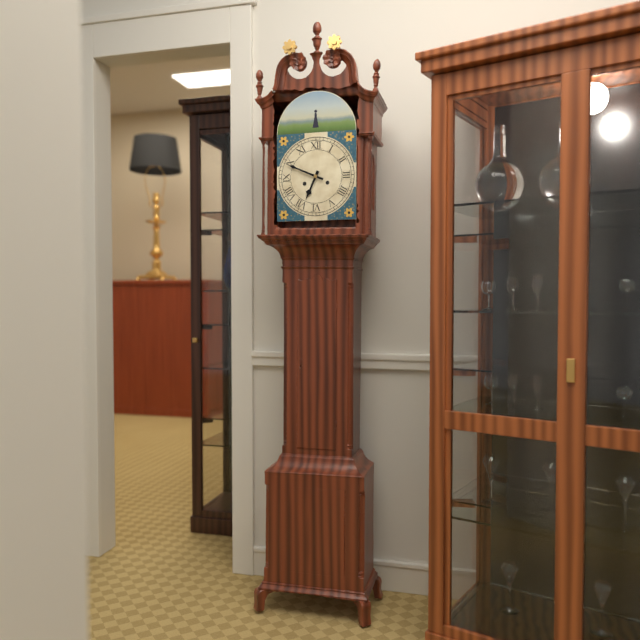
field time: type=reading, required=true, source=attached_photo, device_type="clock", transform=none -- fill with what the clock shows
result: 6:49
